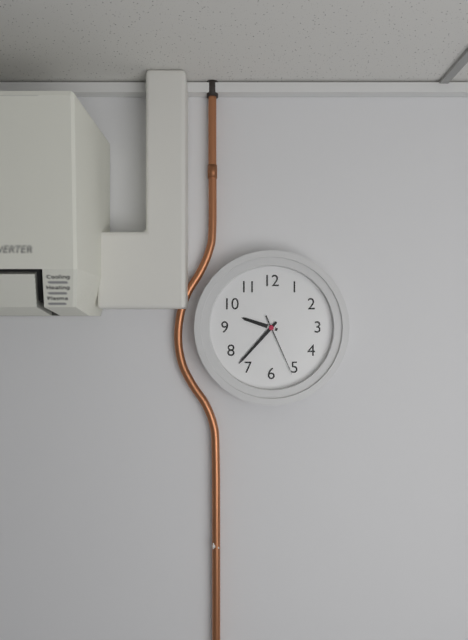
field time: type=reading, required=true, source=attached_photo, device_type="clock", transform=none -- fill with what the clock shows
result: 9:37:26
